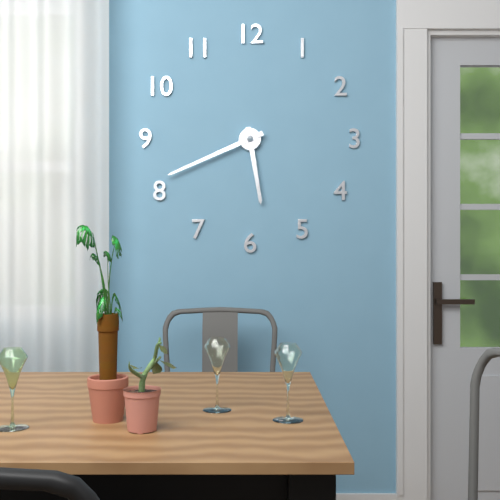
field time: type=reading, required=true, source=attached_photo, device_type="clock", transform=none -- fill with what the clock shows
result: 5:41
